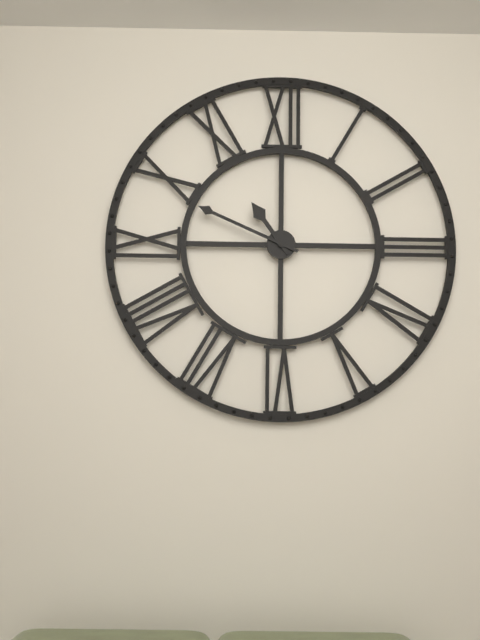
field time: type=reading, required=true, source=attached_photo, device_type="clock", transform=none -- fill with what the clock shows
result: 10:49
